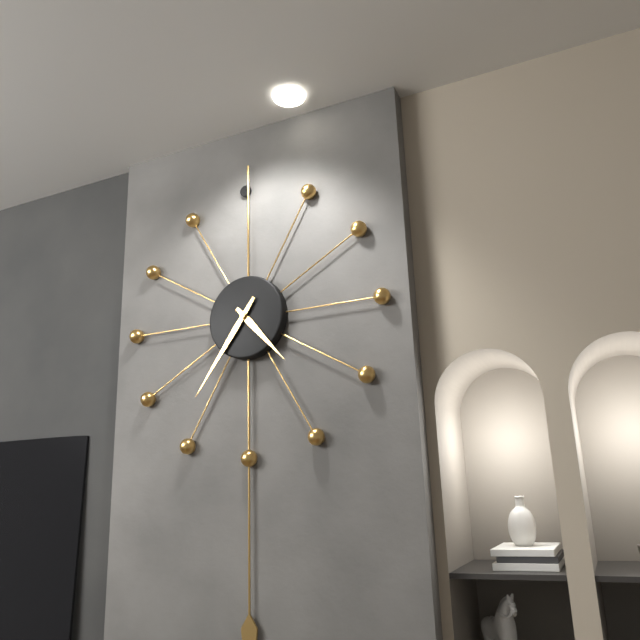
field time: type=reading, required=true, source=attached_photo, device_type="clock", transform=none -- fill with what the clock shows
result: 4:36
